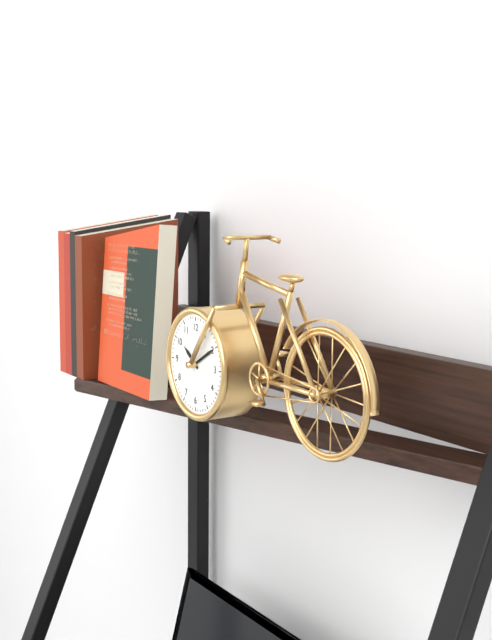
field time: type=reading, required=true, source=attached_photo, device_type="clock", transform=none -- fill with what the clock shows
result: 10:10
